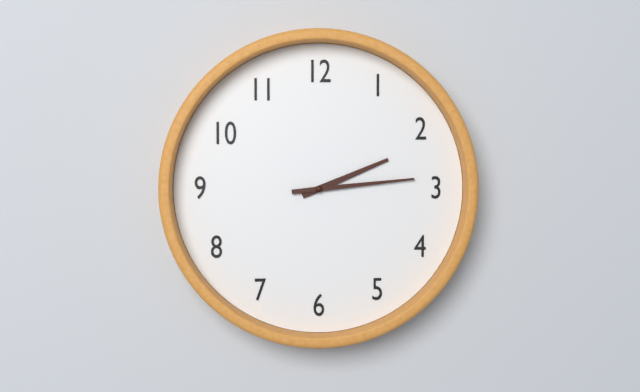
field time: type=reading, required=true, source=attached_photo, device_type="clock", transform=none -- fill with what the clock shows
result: 2:14
